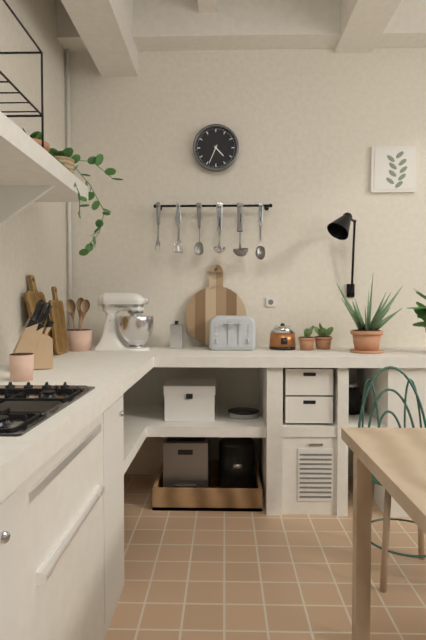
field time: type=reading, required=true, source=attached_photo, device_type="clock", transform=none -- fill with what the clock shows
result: 4:34
